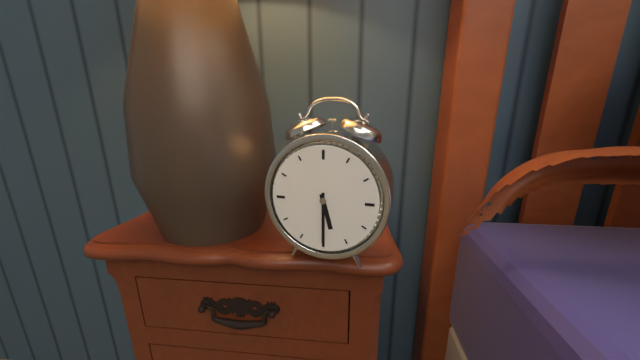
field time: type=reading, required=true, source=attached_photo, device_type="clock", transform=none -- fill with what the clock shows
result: 5:30
